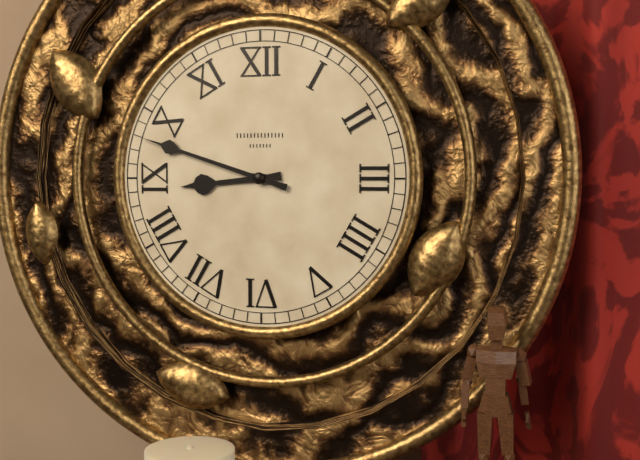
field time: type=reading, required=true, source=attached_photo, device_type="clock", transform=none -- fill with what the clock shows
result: 8:48
